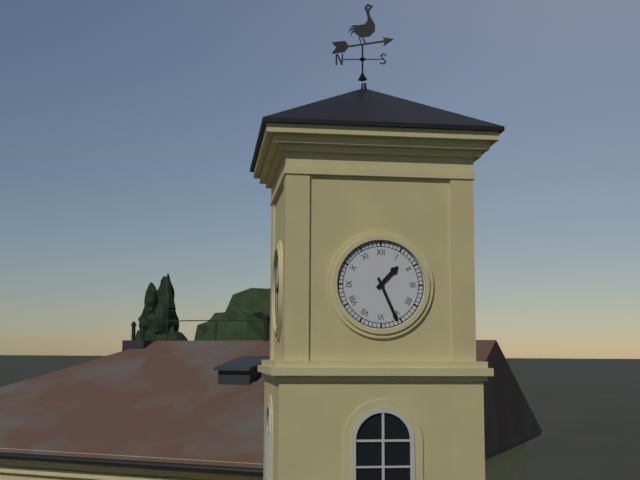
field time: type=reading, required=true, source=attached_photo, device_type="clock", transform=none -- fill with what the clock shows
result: 1:26
